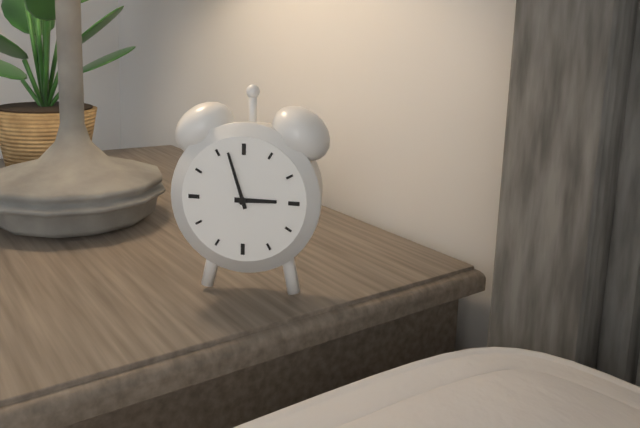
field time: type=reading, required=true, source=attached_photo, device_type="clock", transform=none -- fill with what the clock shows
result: 2:57
